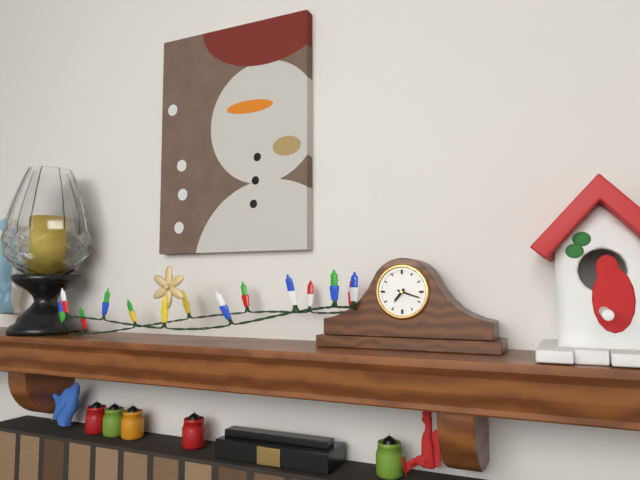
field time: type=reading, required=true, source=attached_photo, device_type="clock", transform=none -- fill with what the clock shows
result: 7:18
